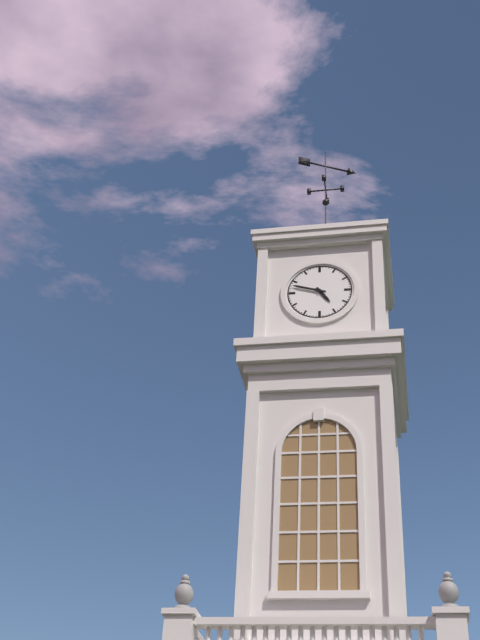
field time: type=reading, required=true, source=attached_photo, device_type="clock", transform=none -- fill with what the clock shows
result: 4:48
